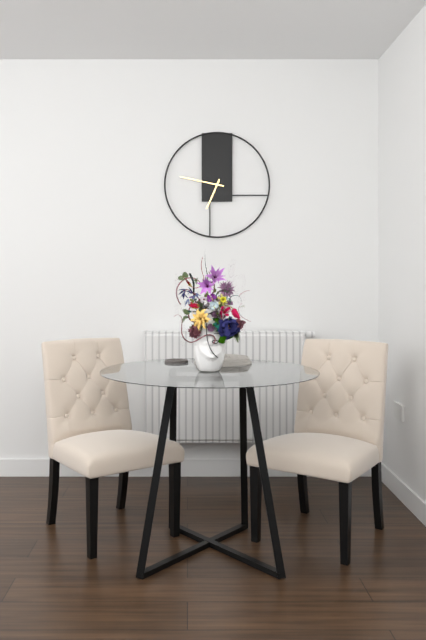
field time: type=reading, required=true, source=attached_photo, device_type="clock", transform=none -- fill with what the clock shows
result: 6:47
